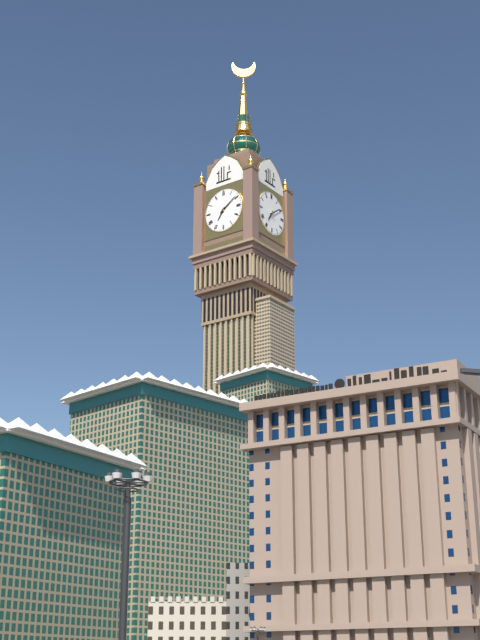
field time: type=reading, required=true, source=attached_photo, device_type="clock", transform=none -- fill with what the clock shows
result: 7:09
